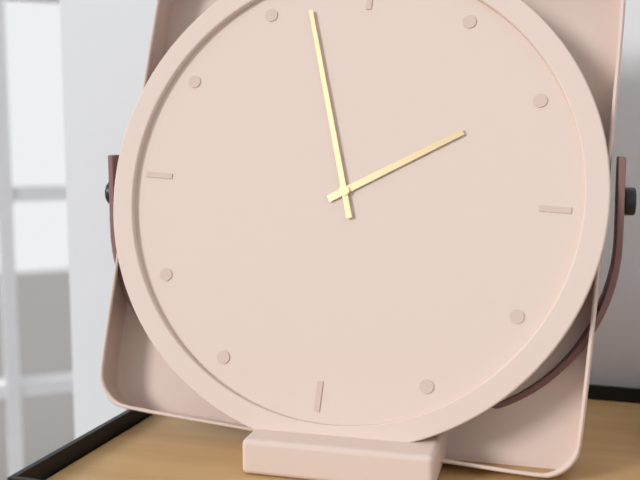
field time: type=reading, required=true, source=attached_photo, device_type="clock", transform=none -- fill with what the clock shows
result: 1:57
